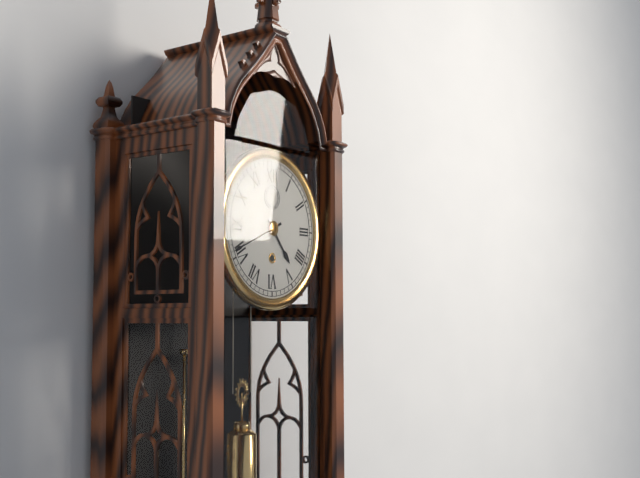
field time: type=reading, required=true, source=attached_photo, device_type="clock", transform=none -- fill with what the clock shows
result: 4:41
